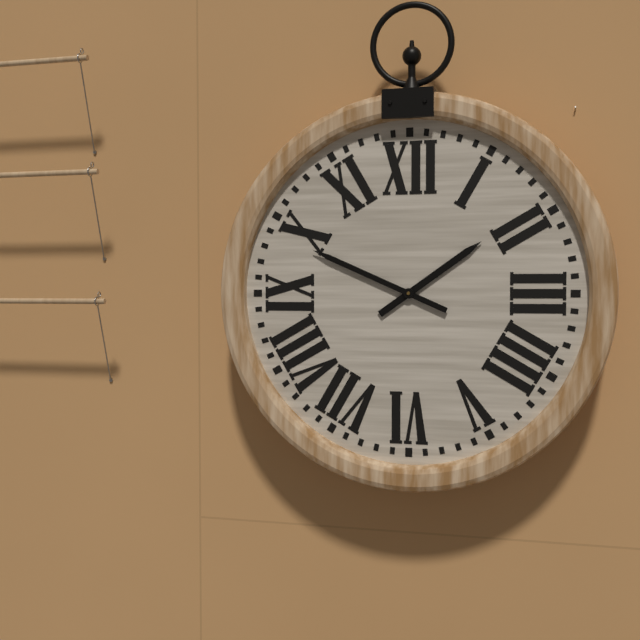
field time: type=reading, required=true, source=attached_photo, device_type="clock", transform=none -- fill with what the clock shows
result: 1:49
